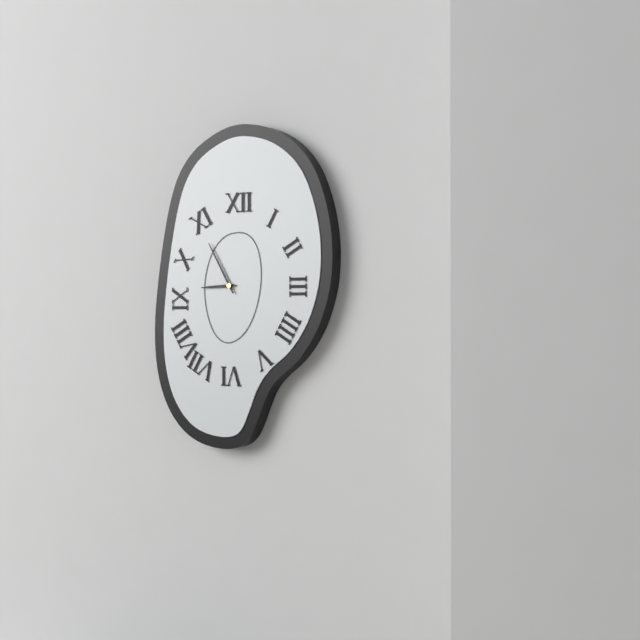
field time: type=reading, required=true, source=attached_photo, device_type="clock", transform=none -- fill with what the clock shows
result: 8:55
